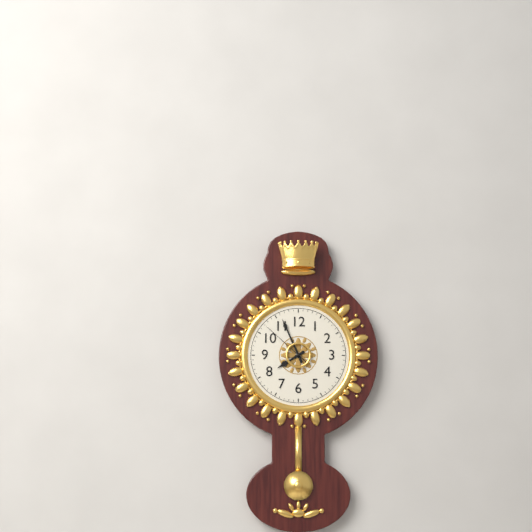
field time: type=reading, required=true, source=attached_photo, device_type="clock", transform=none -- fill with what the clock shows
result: 7:56:52
